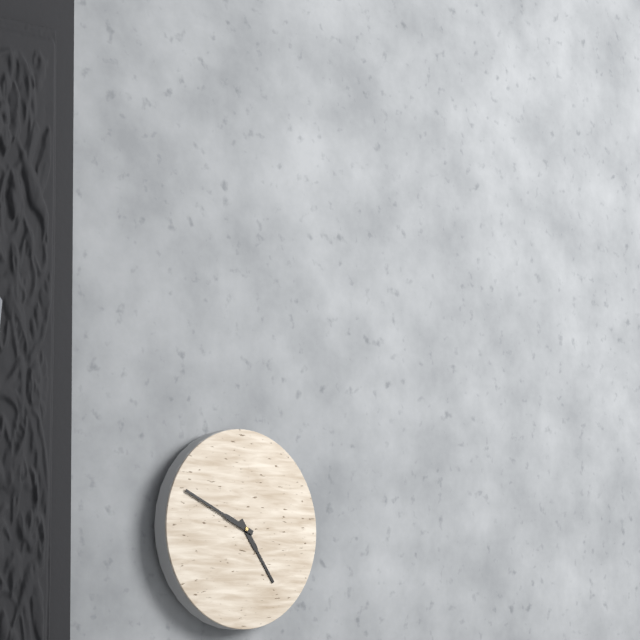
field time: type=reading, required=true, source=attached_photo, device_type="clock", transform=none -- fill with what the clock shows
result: 4:49
